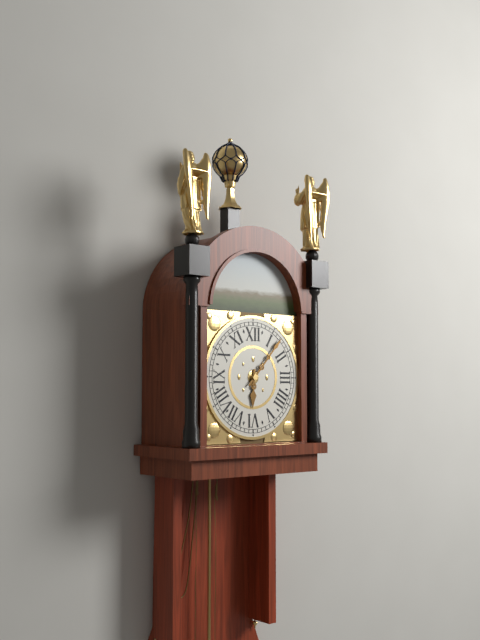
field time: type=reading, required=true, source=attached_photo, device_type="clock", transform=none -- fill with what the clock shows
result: 6:07
